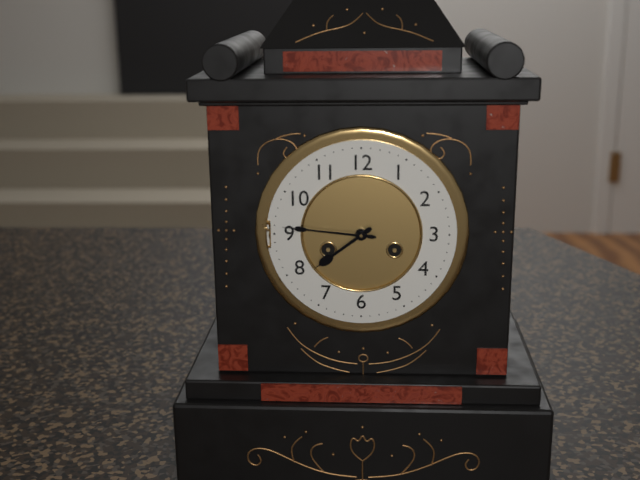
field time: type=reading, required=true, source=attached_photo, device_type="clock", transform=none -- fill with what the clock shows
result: 7:46
